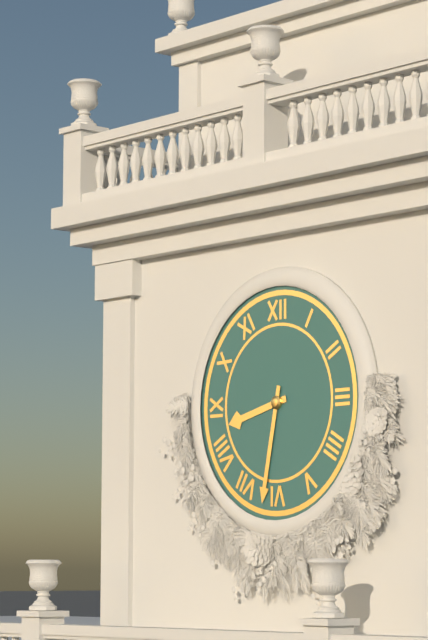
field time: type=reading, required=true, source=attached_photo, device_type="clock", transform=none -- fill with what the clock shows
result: 8:32
